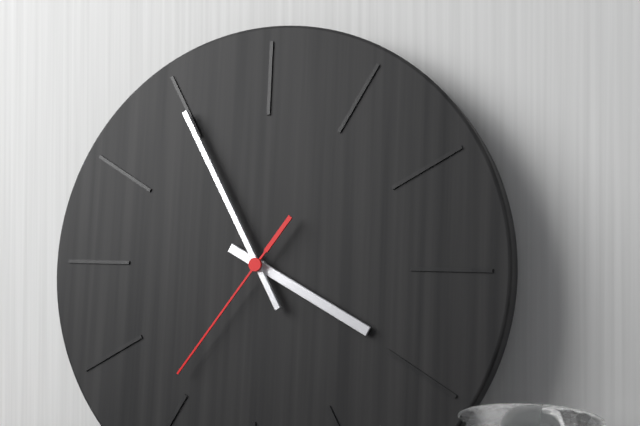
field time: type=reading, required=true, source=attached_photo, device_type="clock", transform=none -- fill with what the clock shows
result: 3:55:36
